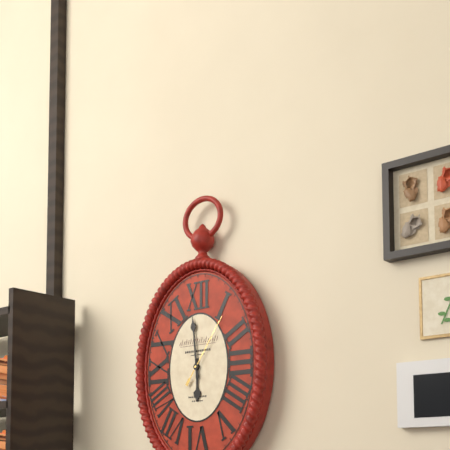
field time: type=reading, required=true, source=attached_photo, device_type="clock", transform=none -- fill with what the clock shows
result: 5:59:06
